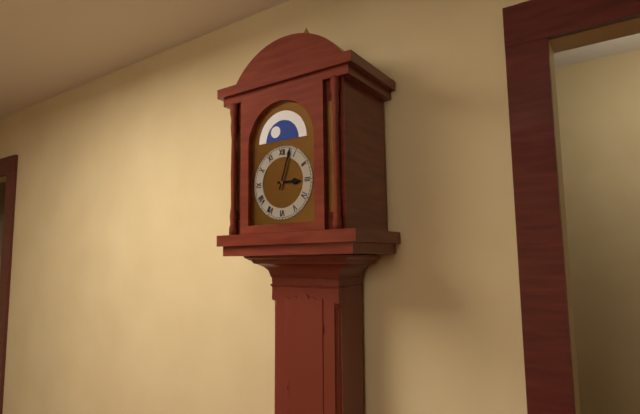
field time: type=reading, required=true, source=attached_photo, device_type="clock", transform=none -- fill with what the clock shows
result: 3:03
